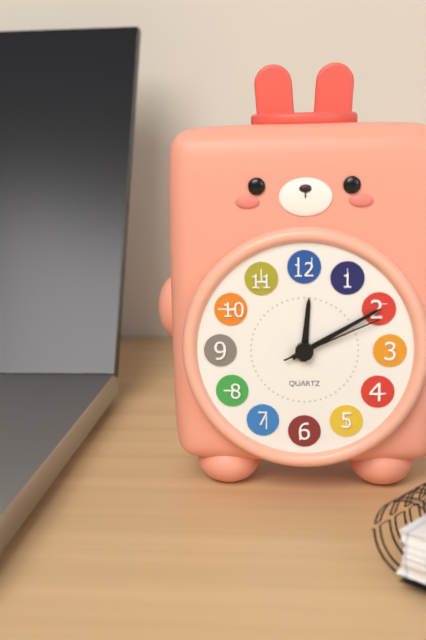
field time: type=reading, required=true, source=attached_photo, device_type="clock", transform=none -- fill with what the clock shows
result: 12:10:11
